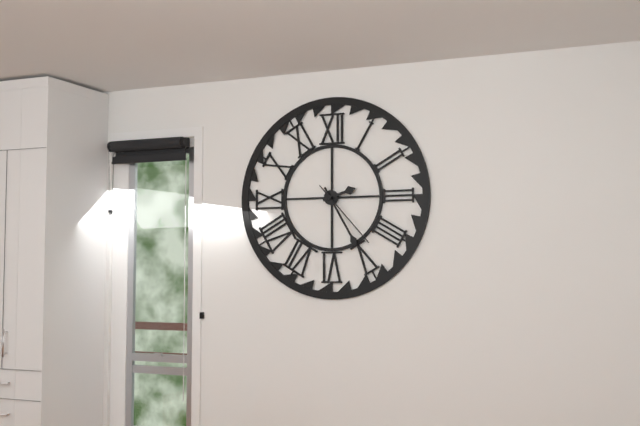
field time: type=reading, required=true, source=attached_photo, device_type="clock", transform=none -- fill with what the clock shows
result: 2:25:23
